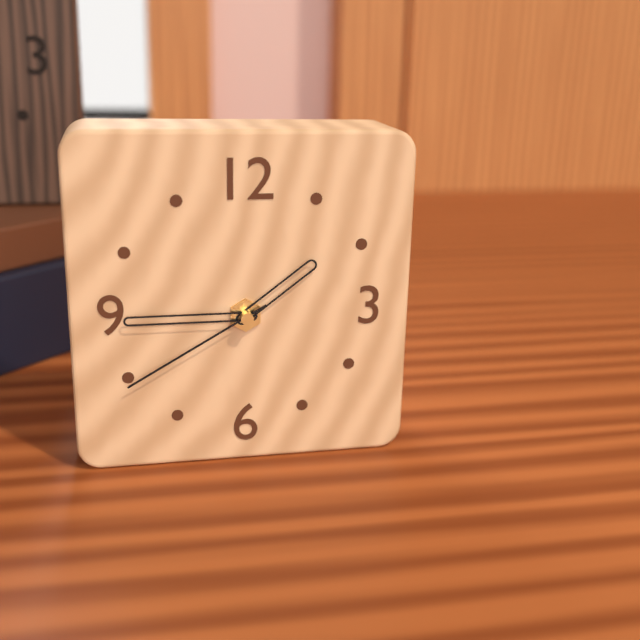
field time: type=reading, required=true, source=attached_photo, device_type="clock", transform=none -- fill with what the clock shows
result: 1:45:40
